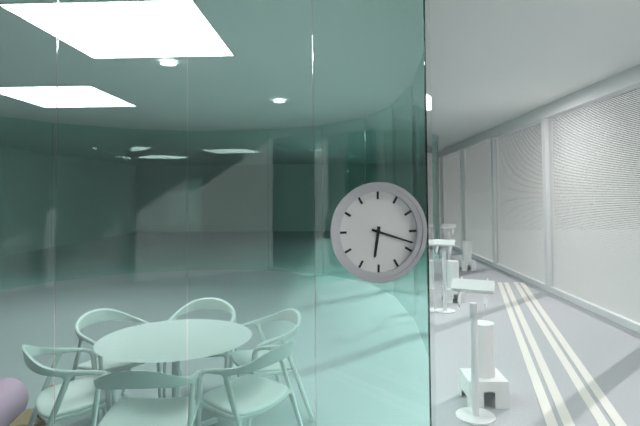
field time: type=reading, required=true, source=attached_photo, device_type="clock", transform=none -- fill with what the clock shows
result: 6:18
